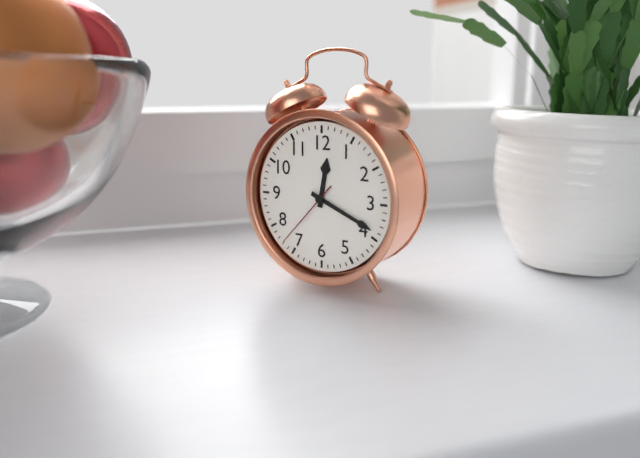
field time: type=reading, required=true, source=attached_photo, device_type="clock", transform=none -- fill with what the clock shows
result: 12:19:37
